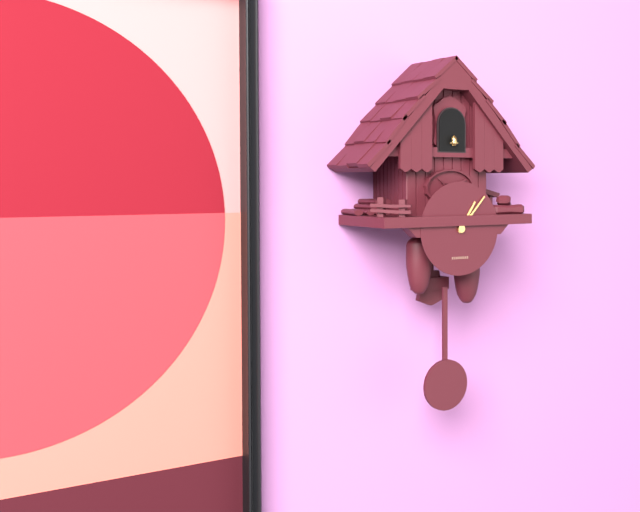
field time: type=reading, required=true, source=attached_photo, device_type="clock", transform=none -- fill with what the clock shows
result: 1:07
